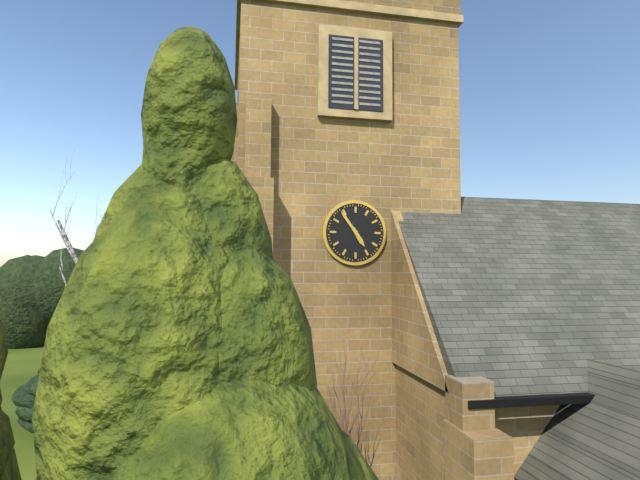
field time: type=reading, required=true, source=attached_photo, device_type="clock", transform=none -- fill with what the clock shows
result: 4:54
